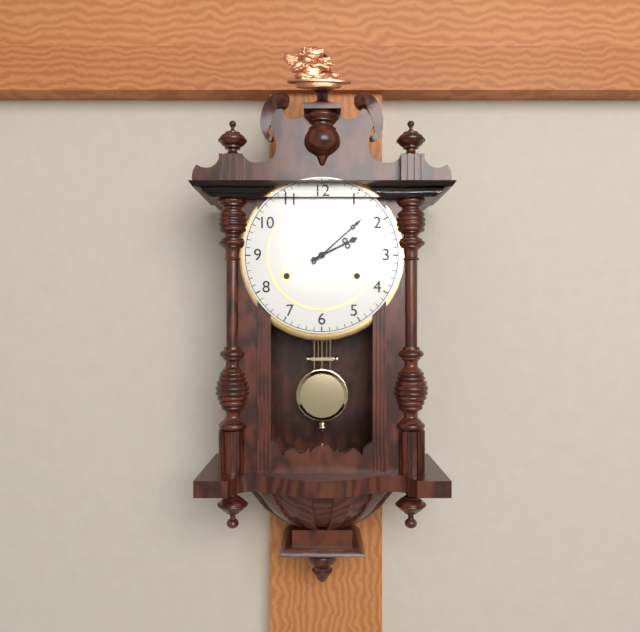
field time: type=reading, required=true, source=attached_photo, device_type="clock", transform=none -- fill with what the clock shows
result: 2:08
